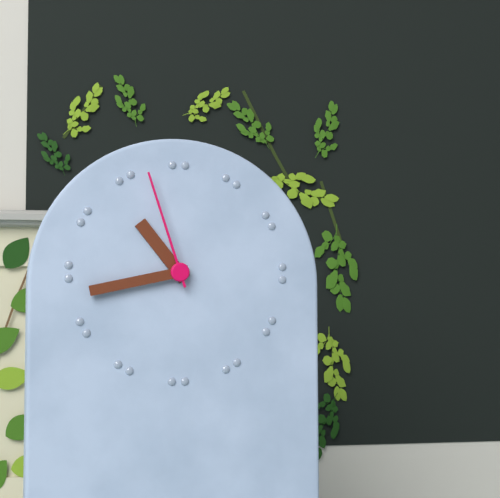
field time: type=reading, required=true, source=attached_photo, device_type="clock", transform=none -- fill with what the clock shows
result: 10:43:57
